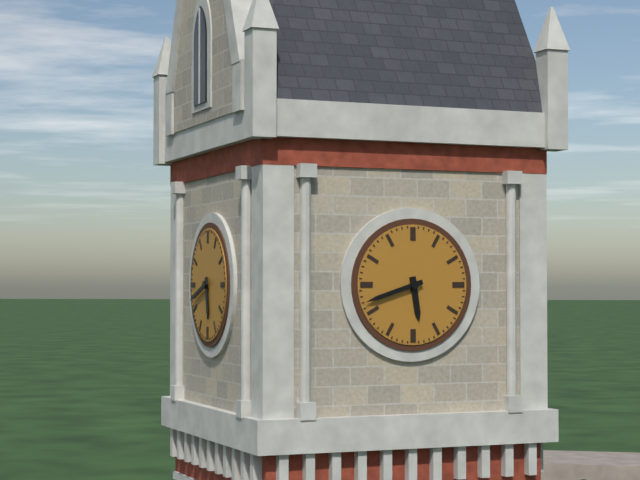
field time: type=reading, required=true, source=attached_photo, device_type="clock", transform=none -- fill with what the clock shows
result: 5:42
